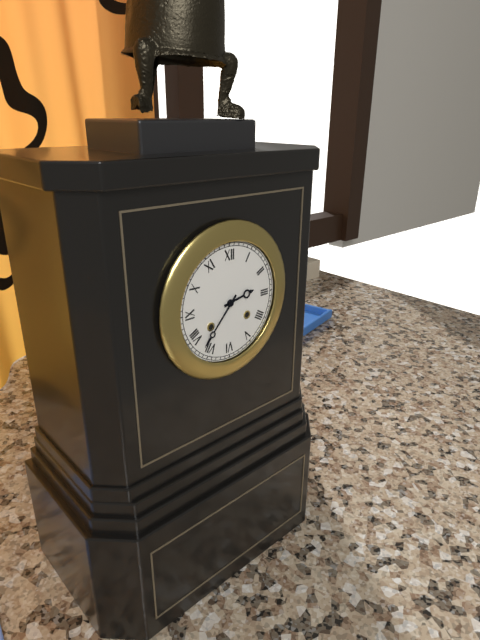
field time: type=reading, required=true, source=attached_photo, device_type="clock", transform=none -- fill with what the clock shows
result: 2:37
